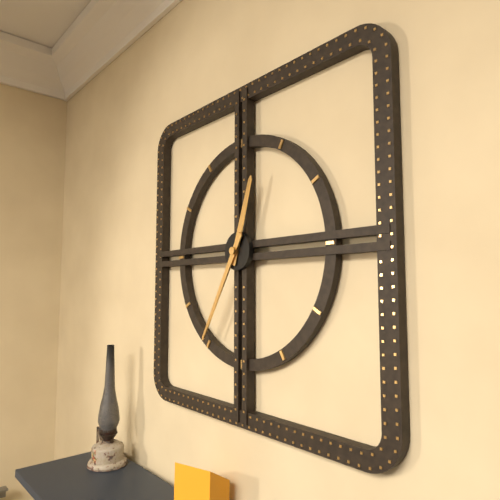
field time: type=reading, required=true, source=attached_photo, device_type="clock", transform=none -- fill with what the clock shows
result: 12:35
